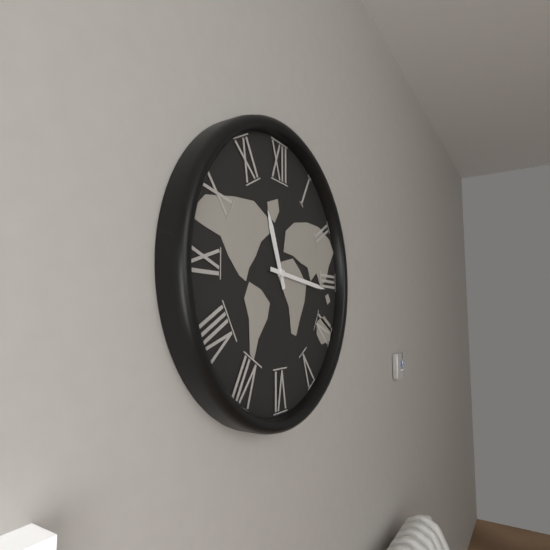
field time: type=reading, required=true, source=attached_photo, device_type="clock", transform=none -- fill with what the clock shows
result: 11:16
